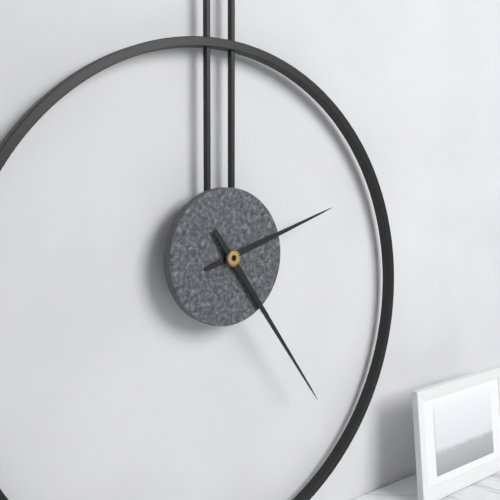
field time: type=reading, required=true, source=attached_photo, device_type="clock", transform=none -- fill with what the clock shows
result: 2:24
